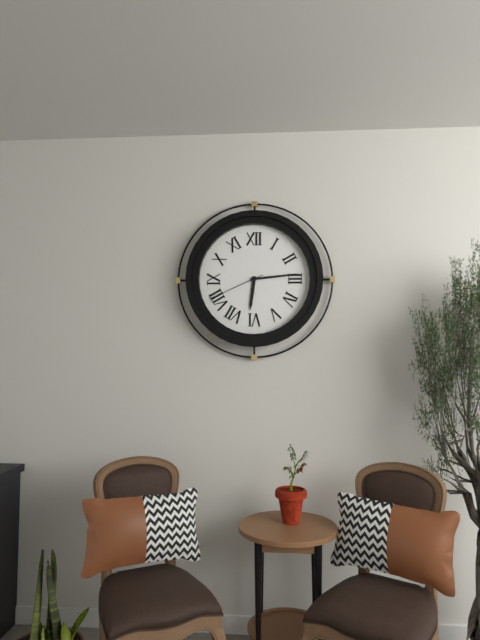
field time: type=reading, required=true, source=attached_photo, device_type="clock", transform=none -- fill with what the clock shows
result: 6:14:41
